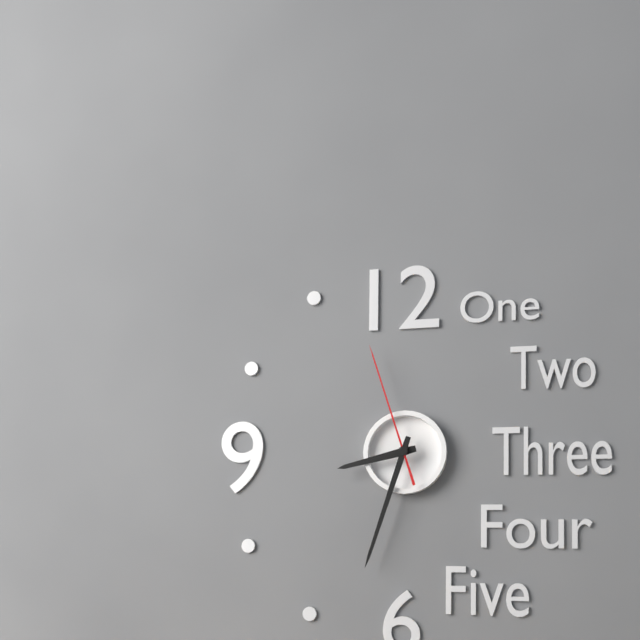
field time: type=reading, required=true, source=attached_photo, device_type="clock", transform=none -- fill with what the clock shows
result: 8:33:57
